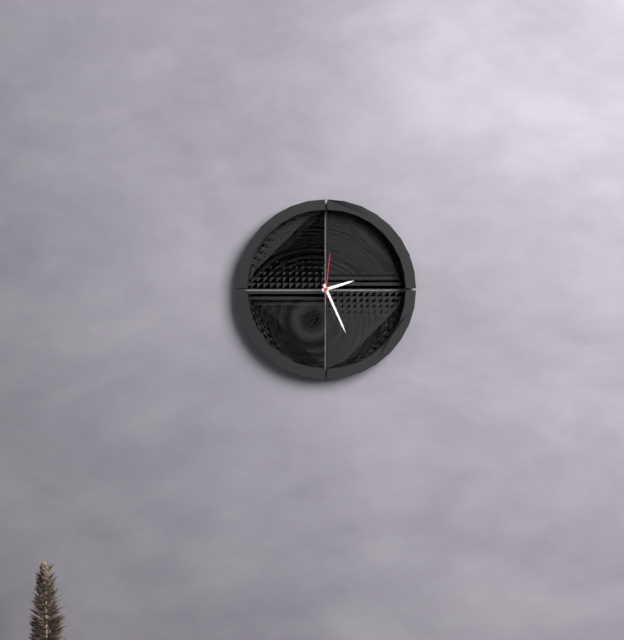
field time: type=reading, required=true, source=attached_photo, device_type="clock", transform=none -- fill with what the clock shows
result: 2:26
